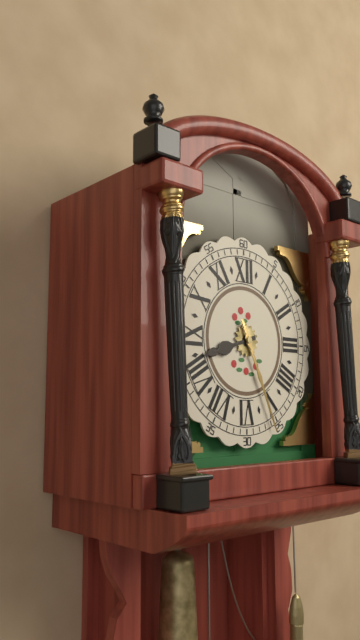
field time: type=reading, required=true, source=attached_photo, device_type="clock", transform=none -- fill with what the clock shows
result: 8:26
